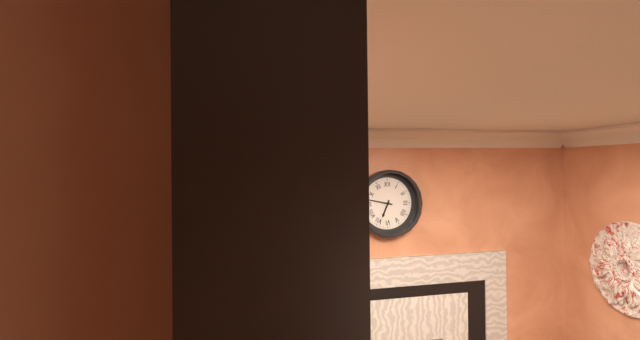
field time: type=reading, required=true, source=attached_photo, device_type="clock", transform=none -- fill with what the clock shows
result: 6:47
